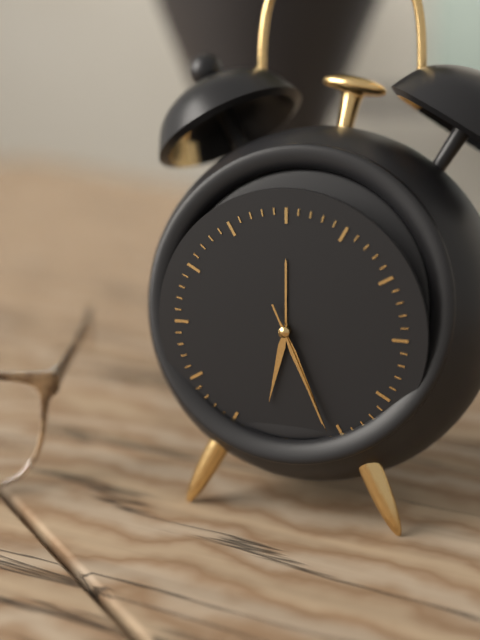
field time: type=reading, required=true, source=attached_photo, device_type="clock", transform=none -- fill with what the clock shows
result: 6:26:26
